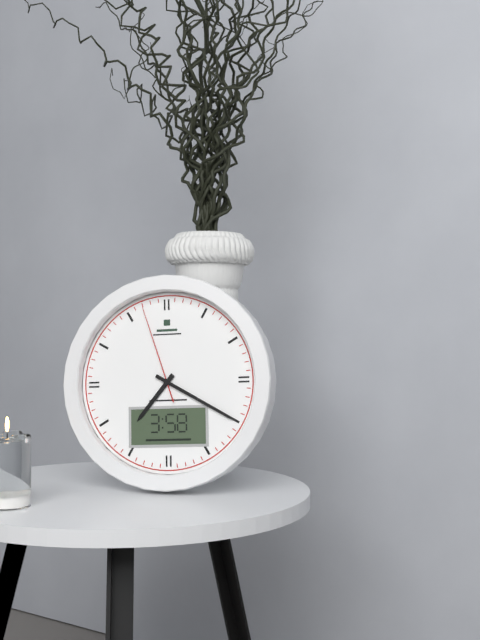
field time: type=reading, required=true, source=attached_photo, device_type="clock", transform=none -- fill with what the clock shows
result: 7:20:57
